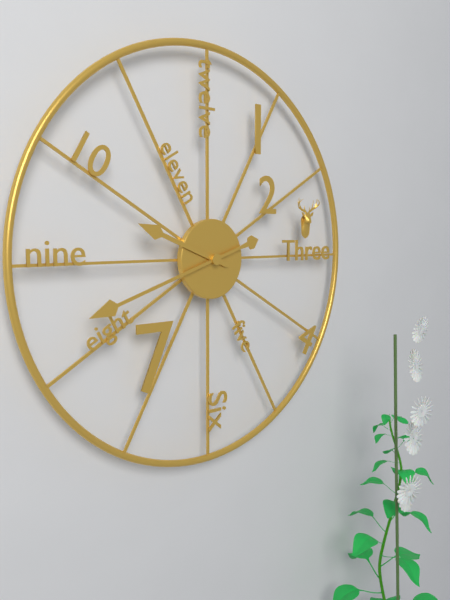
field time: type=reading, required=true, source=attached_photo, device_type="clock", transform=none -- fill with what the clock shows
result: 9:42
